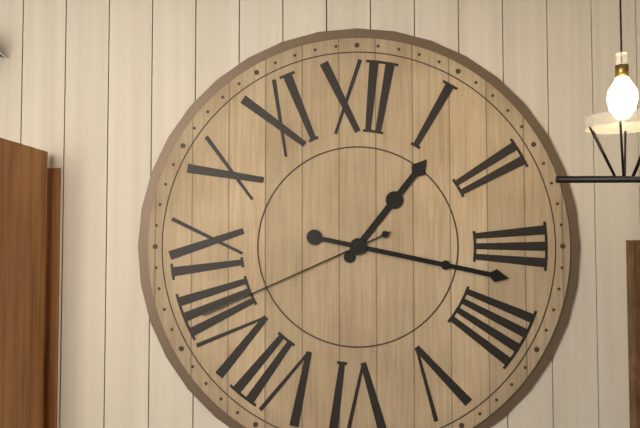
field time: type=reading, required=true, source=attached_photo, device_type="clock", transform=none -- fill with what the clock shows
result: 1:17:41
